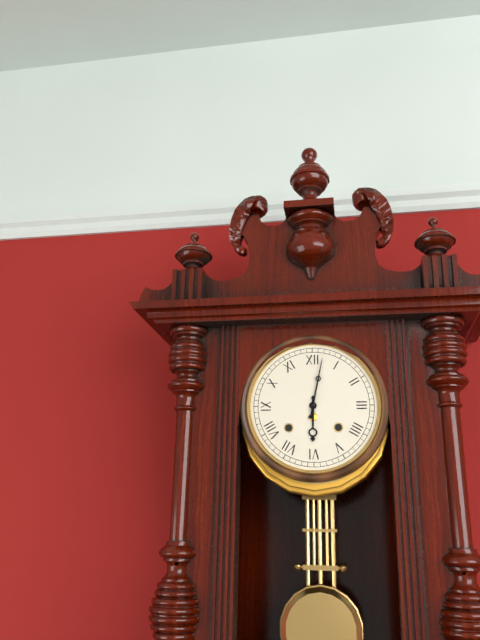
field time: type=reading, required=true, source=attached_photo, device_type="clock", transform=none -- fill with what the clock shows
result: 6:02
